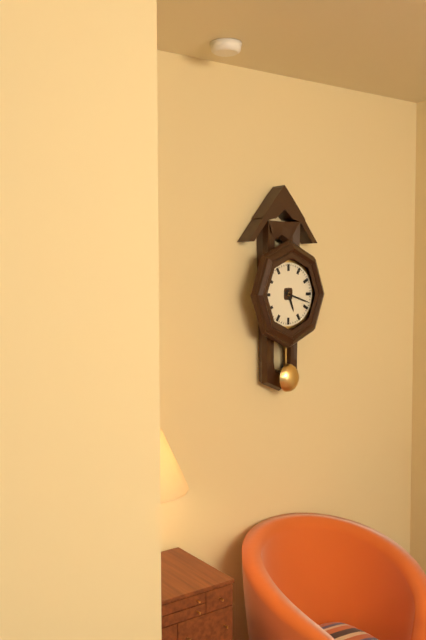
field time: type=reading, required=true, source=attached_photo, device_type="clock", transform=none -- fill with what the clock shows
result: 5:18
